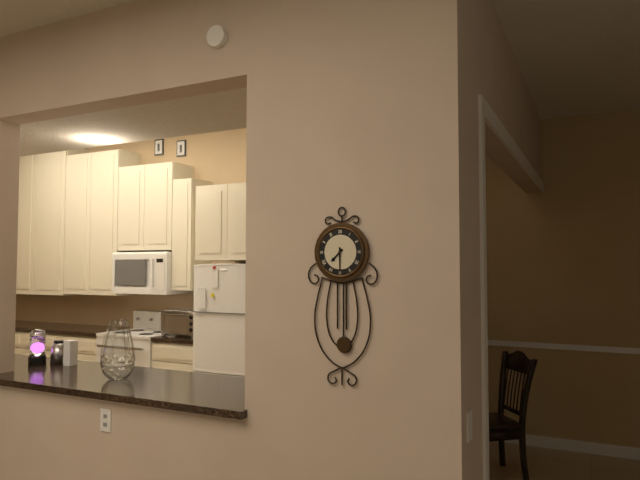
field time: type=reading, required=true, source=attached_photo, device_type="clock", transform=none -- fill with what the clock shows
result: 7:30
